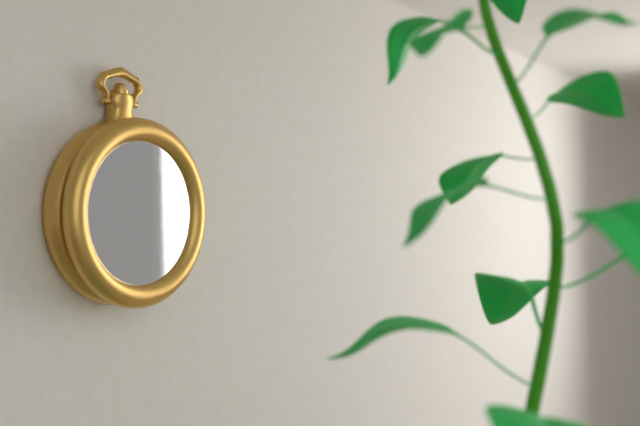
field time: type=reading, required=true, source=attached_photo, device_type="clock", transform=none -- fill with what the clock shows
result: 10:01
